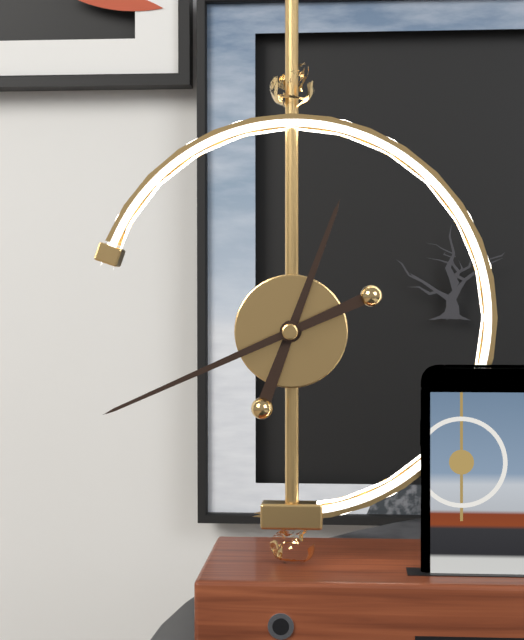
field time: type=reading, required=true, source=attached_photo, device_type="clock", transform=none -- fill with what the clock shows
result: 12:41
